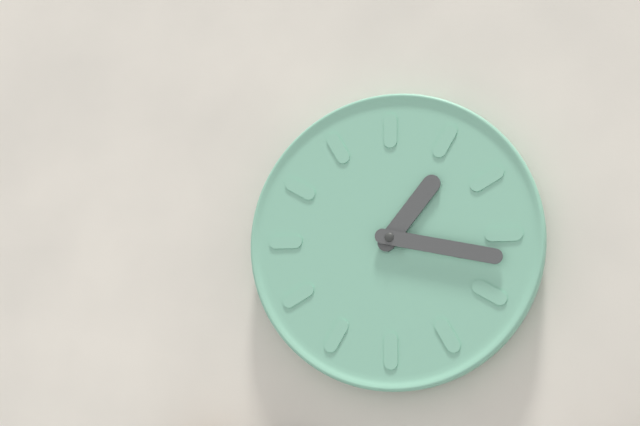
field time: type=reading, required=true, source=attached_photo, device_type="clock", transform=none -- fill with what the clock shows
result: 1:17
